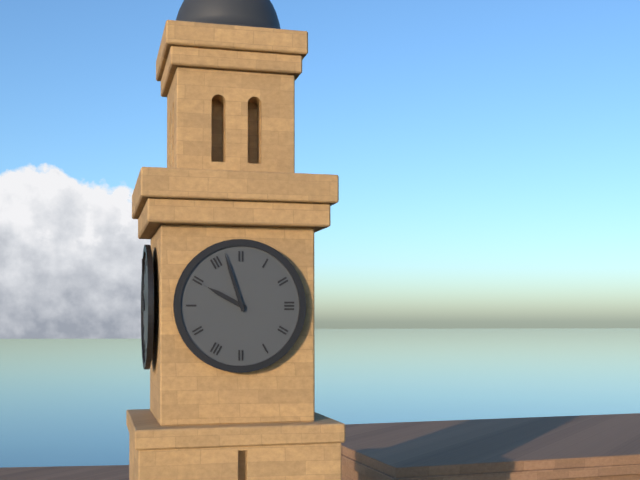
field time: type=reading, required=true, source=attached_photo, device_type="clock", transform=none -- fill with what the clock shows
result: 9:57
